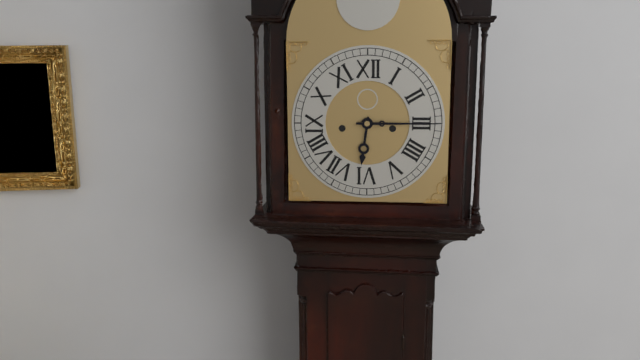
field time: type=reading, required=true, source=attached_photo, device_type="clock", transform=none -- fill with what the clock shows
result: 6:15
